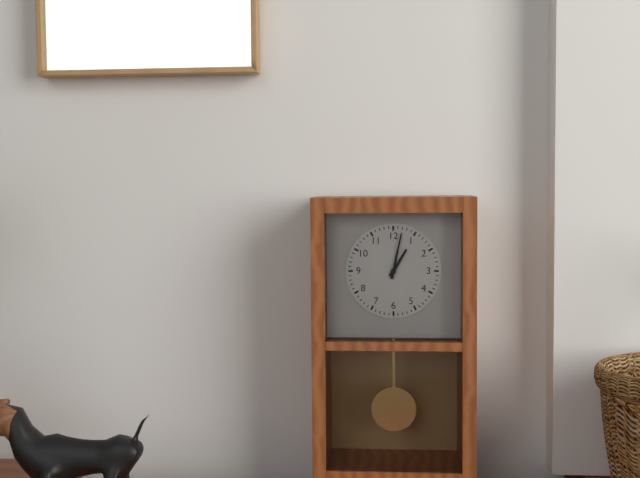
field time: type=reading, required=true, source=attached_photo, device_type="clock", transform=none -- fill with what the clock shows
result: 1:02
